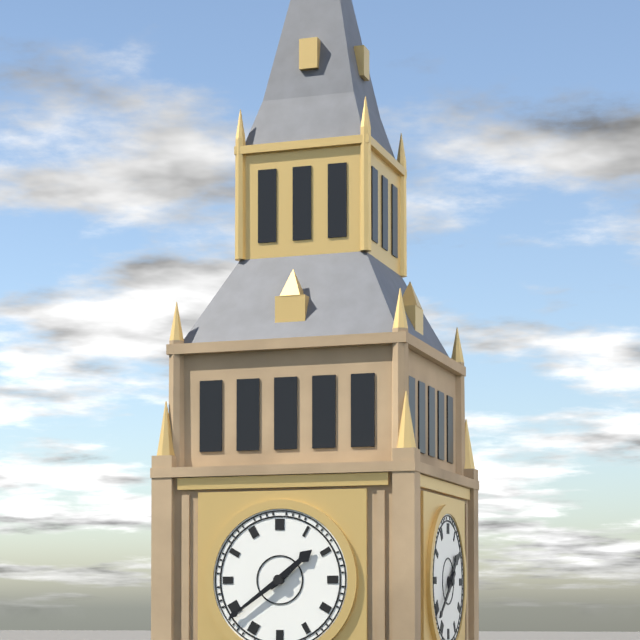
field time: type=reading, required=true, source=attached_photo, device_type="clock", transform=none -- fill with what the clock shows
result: 1:39
